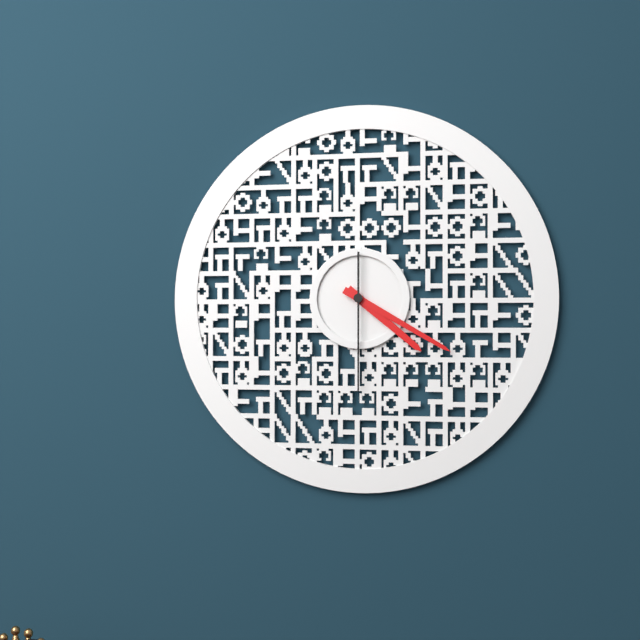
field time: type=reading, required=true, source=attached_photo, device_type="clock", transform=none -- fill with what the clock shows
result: 4:20:30
